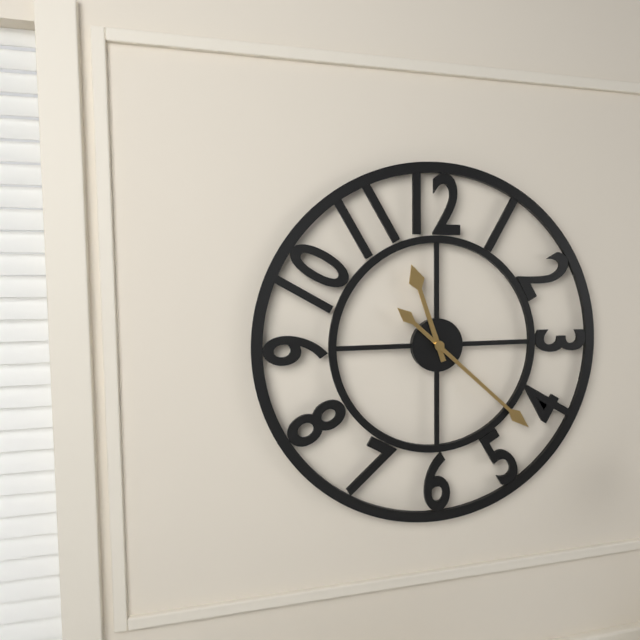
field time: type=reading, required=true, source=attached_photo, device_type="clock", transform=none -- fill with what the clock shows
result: 11:22
